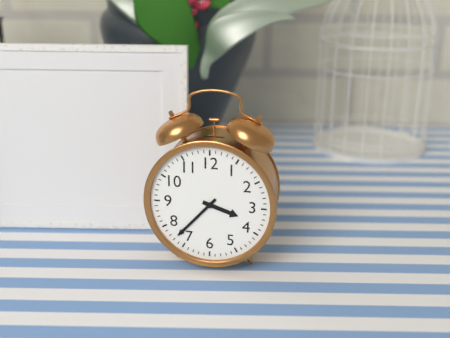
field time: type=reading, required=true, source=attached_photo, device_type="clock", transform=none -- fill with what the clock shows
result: 3:37
